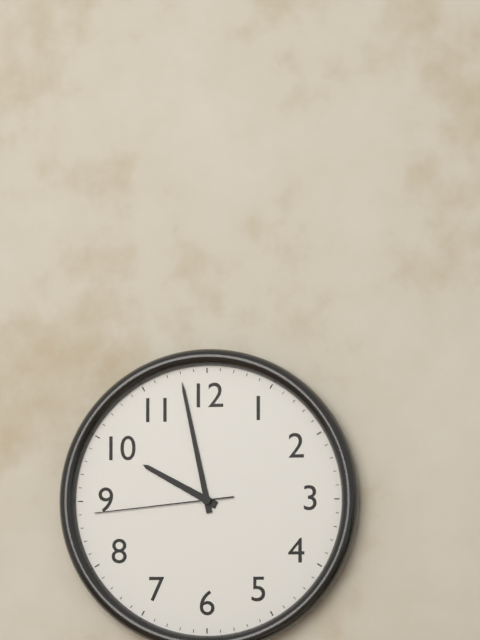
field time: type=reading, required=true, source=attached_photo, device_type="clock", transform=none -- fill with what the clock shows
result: 9:58:44
